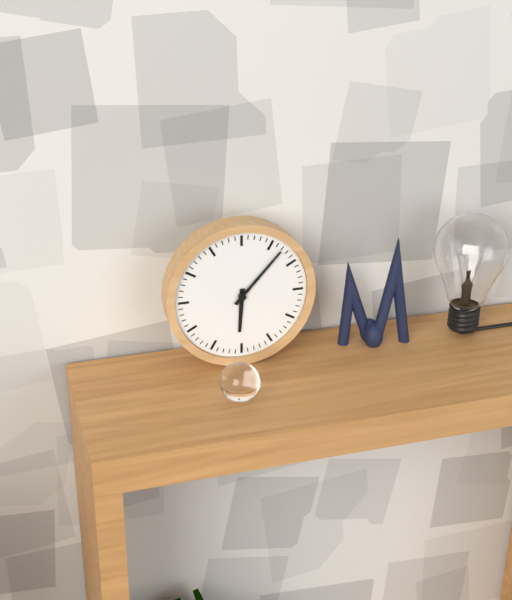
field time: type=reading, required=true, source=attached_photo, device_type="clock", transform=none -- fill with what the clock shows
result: 6:07
